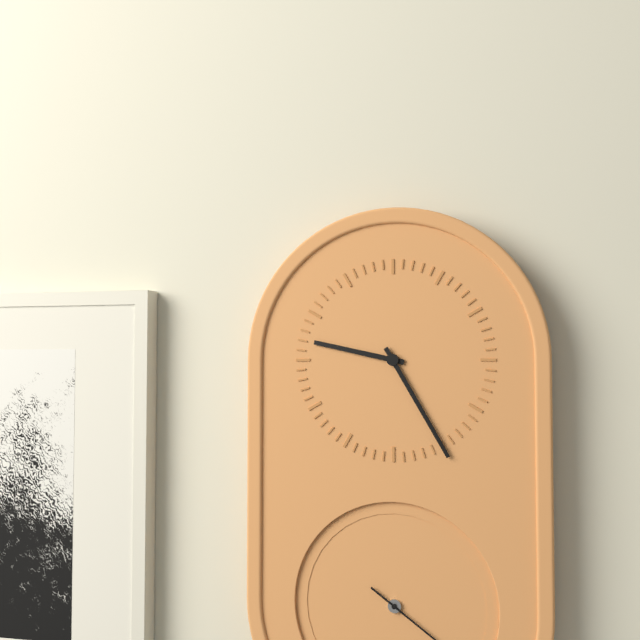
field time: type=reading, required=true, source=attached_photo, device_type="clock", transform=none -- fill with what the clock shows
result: 9:25
